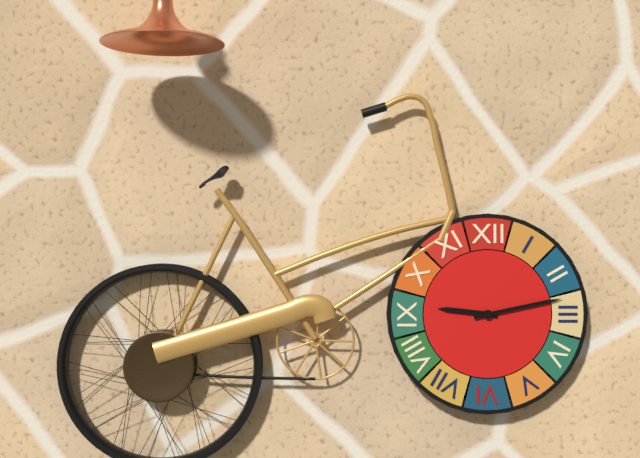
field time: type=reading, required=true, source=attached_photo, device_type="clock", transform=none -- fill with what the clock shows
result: 9:13
